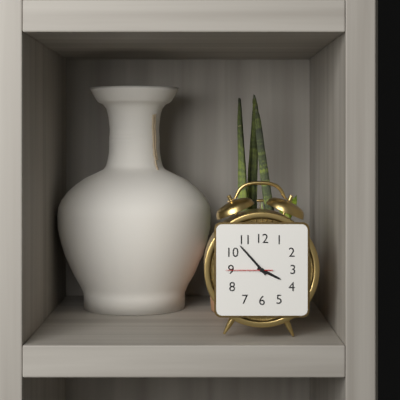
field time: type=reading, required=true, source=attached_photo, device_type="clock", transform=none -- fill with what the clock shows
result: 3:53
